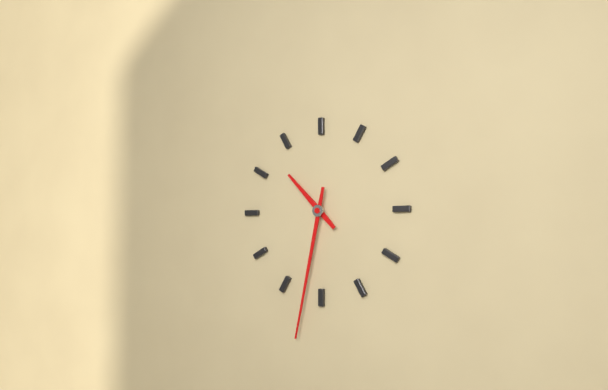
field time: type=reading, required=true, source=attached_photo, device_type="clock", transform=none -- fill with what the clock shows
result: 10:32
